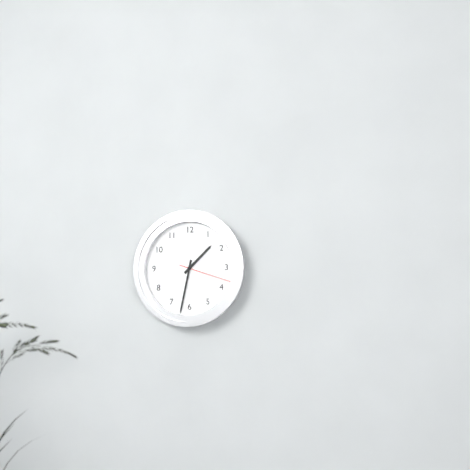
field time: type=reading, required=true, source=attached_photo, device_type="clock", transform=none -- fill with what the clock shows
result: 1:32:18
